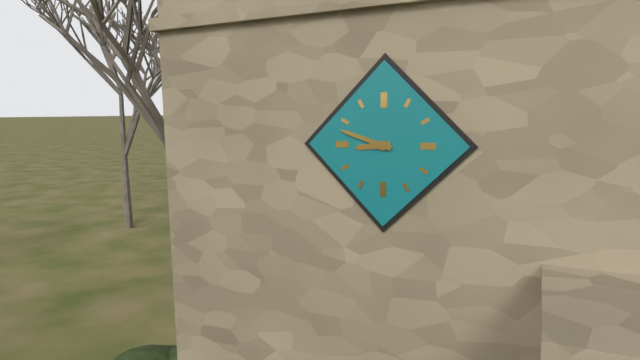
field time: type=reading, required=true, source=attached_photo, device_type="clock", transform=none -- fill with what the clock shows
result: 8:48
